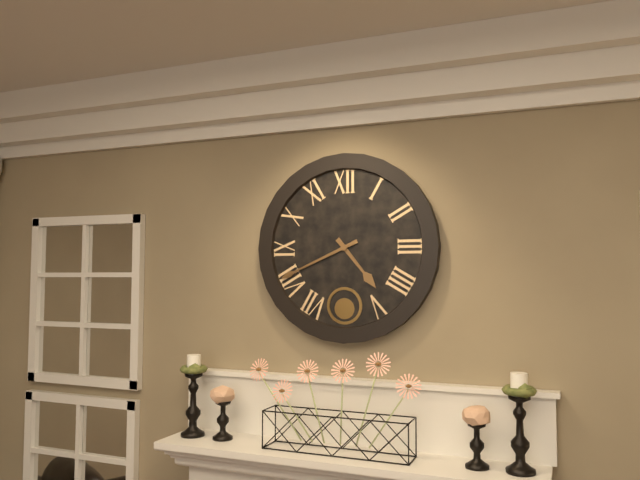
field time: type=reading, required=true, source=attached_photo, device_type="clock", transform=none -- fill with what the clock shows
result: 4:41
